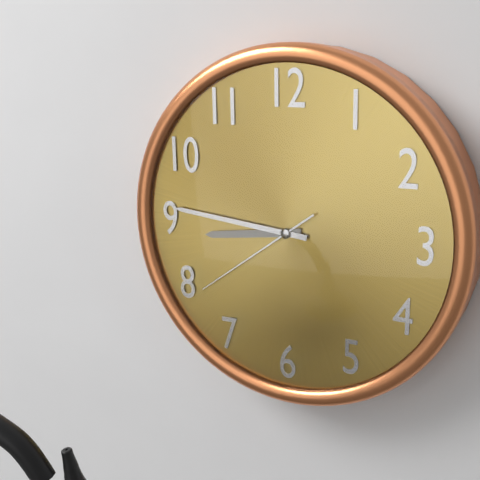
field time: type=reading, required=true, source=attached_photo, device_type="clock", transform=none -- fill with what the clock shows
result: 8:46:39
